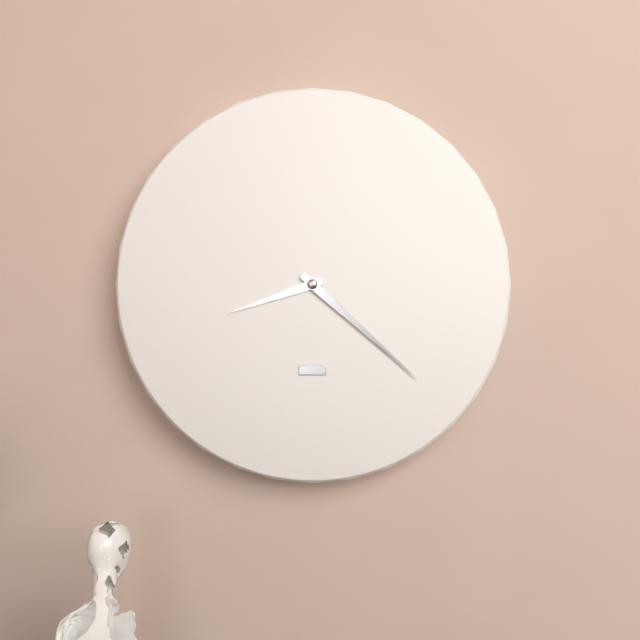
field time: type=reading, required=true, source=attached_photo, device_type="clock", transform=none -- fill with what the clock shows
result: 8:22
